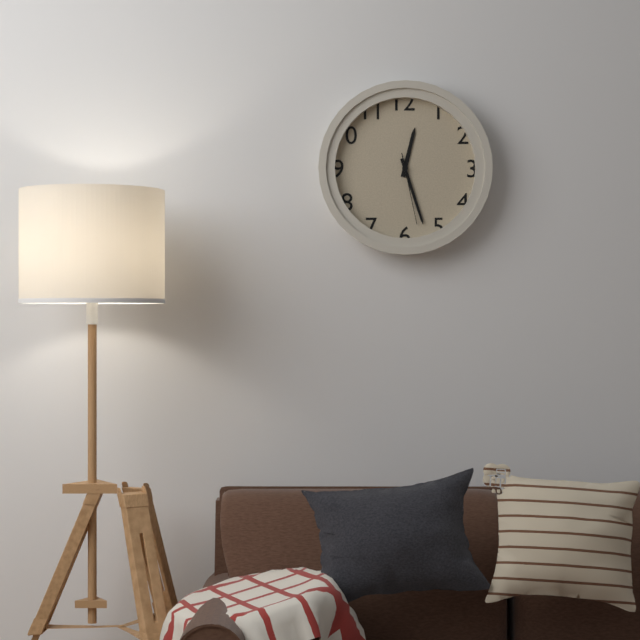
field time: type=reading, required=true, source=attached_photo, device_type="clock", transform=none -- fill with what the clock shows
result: 12:27:28
